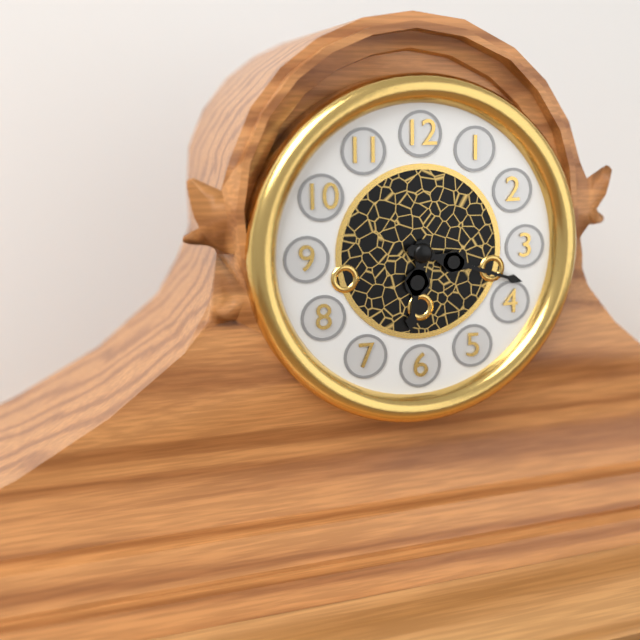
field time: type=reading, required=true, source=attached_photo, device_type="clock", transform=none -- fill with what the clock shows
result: 6:18
